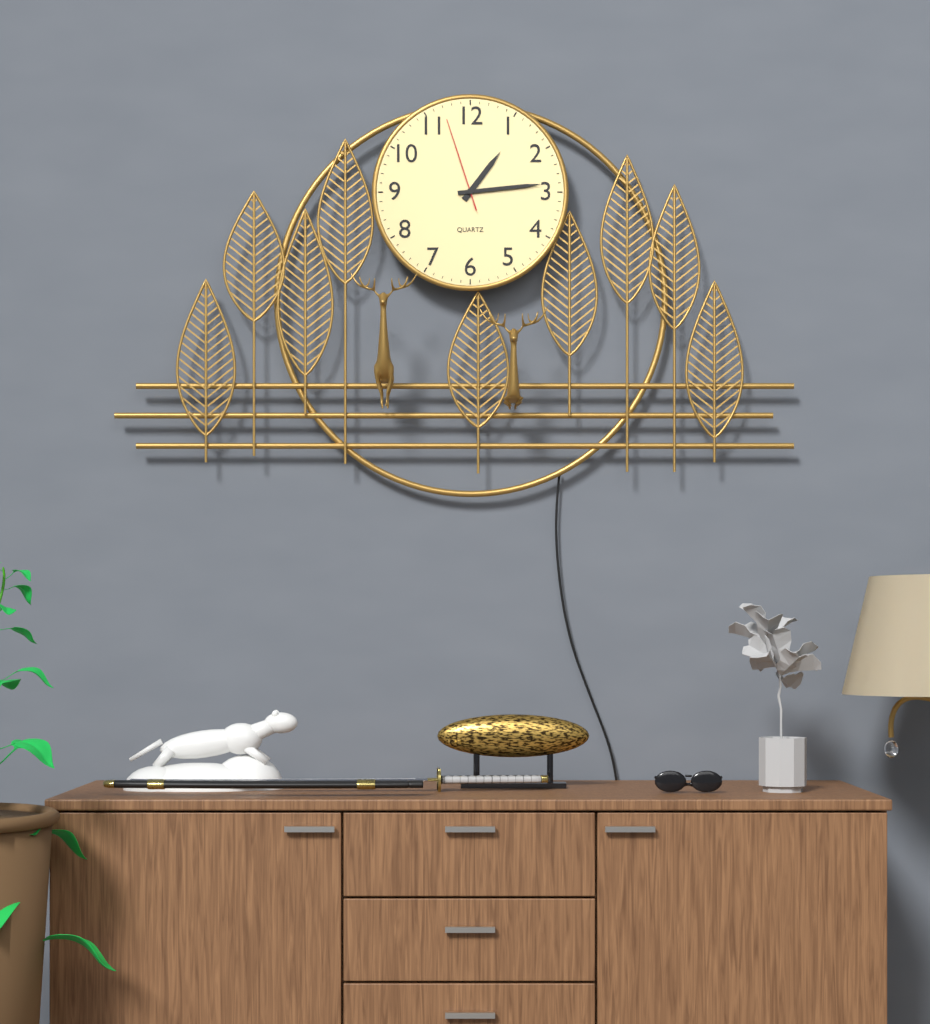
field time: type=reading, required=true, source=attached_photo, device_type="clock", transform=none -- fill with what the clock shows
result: 1:14:57
